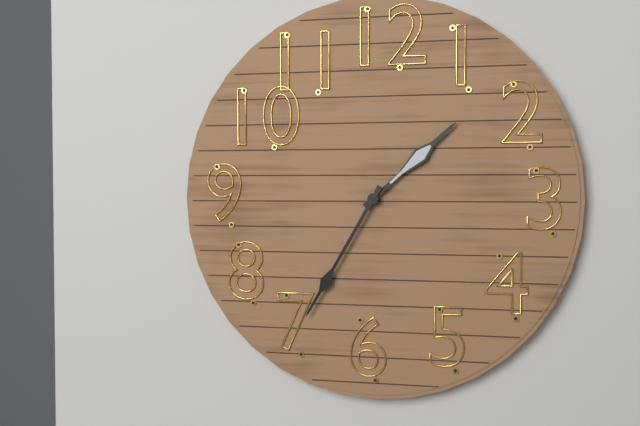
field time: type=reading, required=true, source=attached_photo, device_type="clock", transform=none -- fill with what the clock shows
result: 1:35
